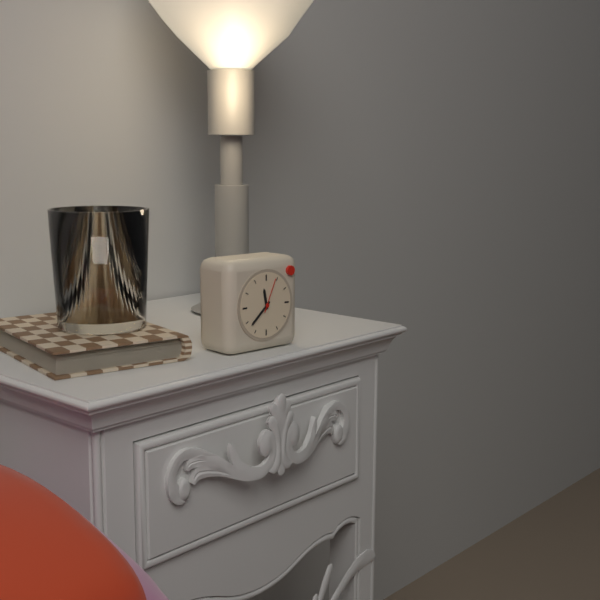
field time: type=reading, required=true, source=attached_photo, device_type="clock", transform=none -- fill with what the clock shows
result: 11:38
